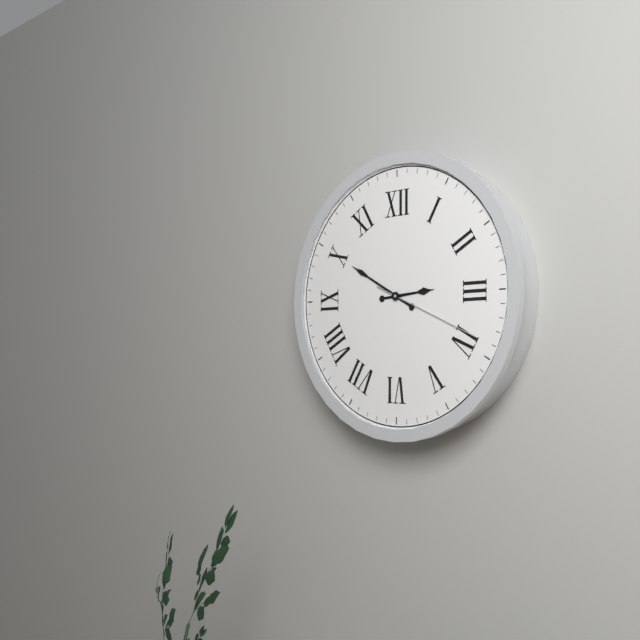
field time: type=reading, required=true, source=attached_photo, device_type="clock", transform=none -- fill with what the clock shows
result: 2:50:19
